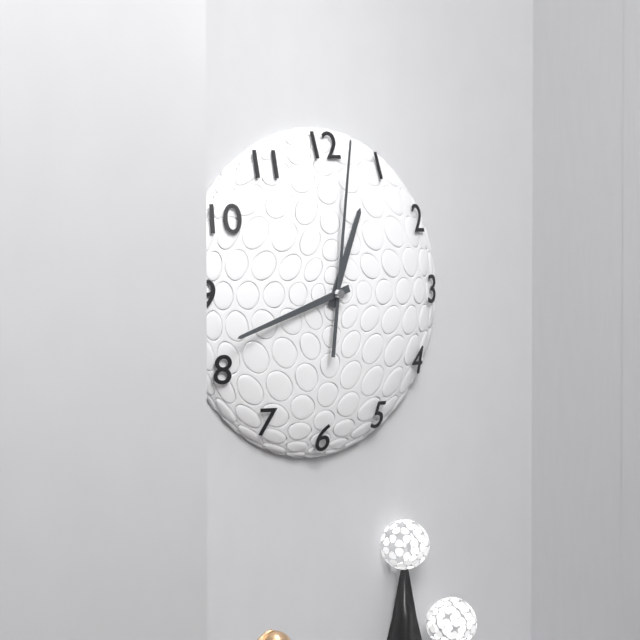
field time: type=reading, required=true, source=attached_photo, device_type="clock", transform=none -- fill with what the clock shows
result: 12:42:01
